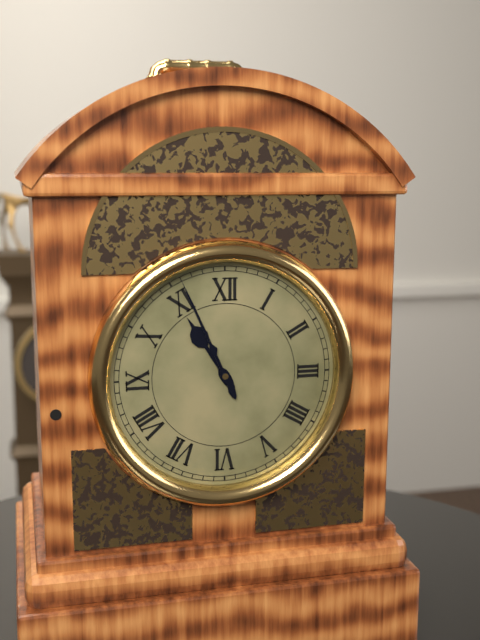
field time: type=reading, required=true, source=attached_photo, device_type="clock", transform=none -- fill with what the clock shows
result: 10:56
